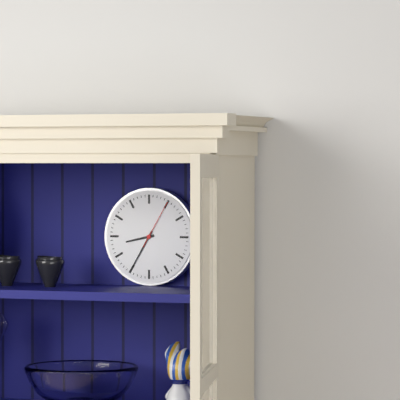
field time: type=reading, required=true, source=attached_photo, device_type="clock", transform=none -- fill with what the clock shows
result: 8:35
